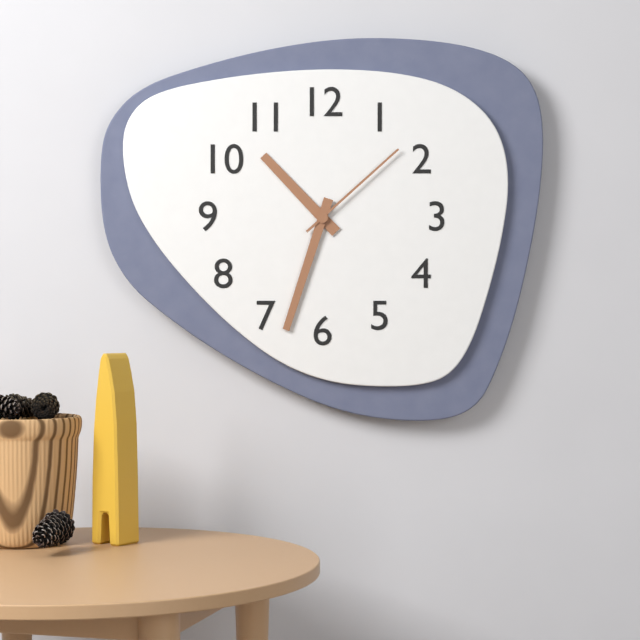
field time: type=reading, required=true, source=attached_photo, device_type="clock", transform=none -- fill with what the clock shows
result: 10:33:08
